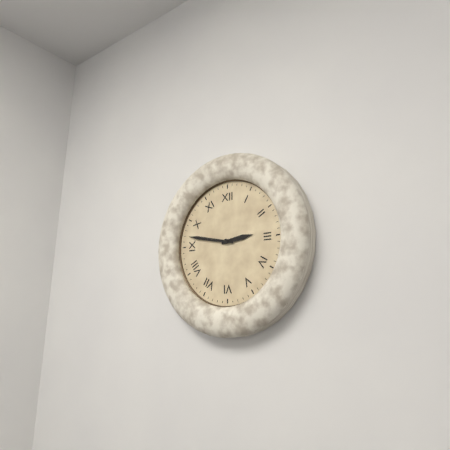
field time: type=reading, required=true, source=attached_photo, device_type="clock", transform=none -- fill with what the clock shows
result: 2:47
